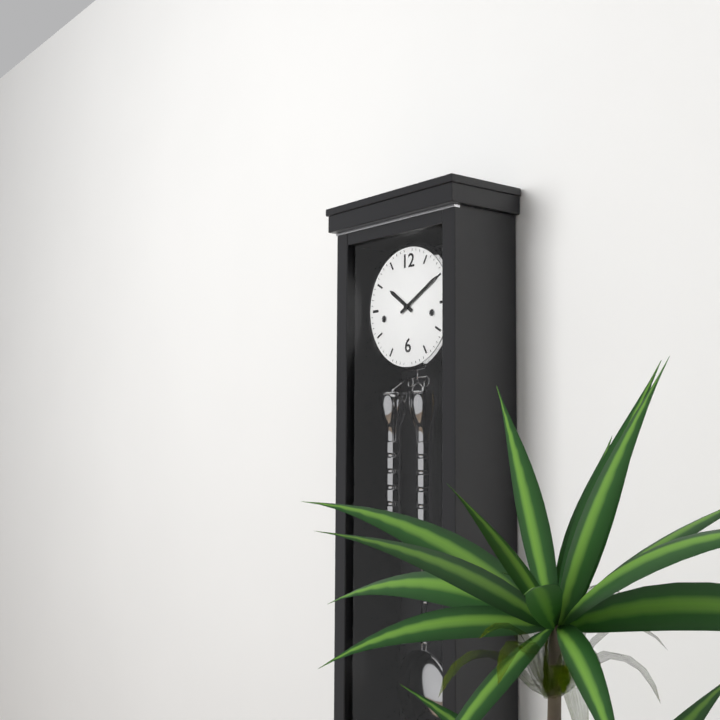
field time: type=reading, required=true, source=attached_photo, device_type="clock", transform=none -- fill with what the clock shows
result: 10:10
